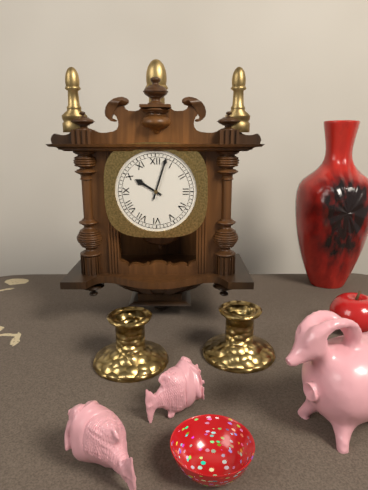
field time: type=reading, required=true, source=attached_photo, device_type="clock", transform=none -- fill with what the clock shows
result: 10:03
